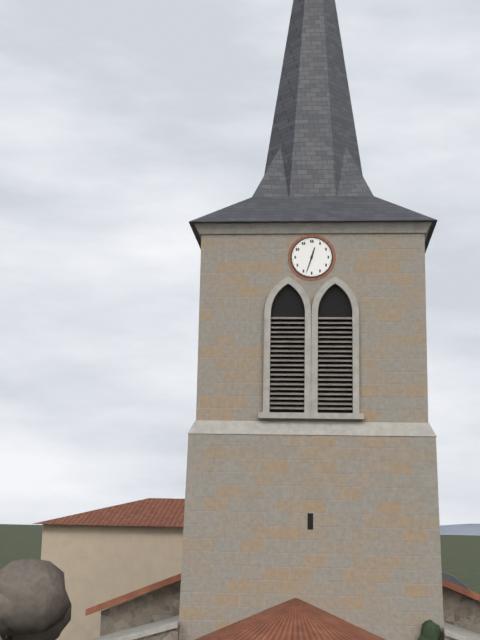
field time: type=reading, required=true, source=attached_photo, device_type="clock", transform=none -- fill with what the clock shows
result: 12:33
